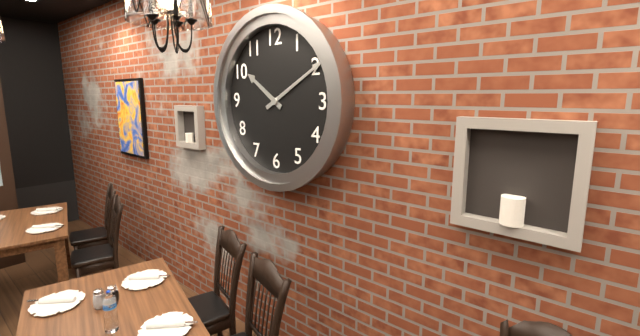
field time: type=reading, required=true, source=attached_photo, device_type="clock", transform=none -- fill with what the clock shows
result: 10:10
